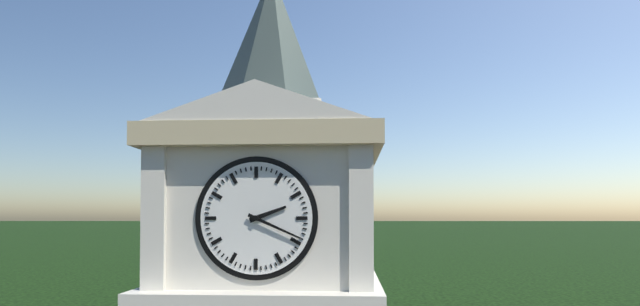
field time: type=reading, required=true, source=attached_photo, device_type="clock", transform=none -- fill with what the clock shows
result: 2:19
